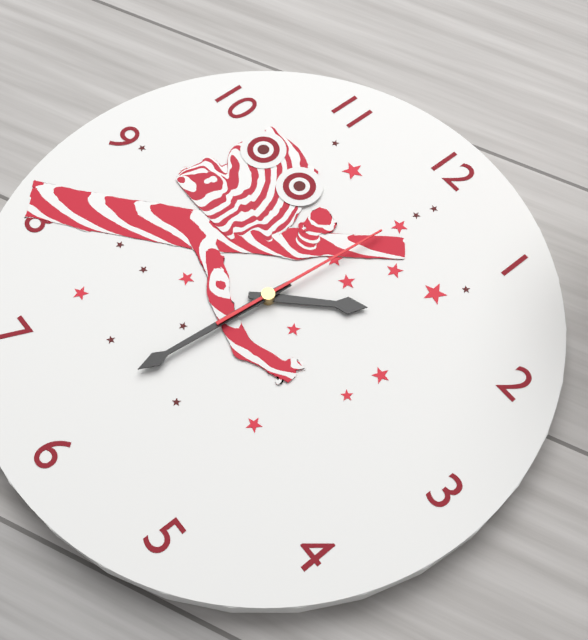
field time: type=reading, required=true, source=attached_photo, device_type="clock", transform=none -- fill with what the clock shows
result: 1:31:01
